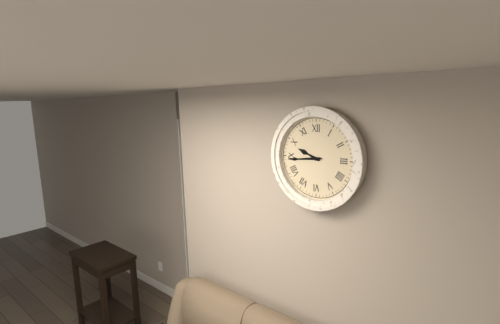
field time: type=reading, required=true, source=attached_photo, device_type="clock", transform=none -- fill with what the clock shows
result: 9:44
